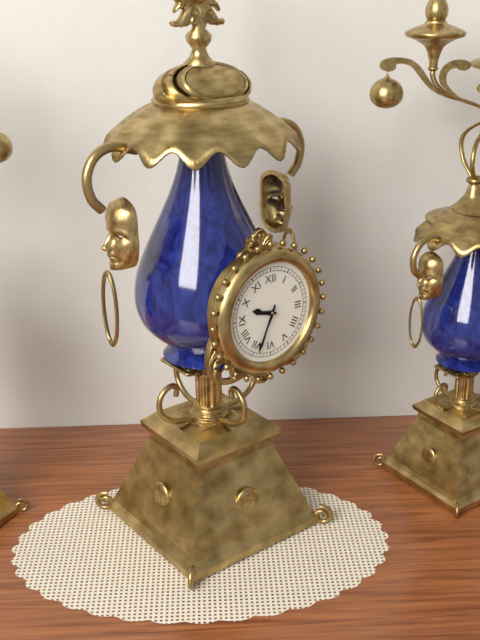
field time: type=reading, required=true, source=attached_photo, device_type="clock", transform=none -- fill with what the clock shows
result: 9:34
